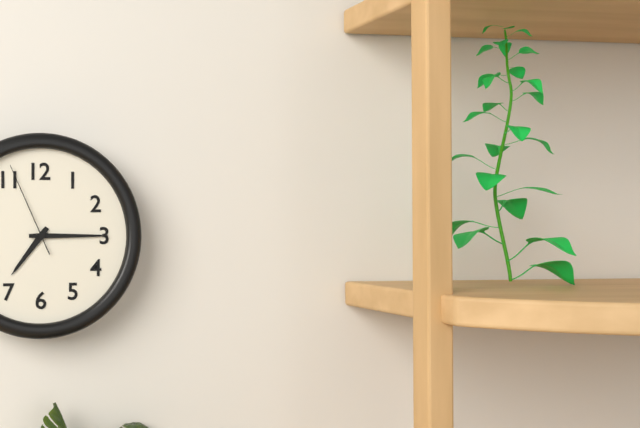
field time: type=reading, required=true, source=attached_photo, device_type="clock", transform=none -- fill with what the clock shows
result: 7:15:56
